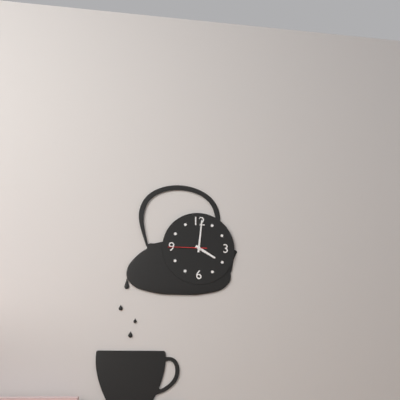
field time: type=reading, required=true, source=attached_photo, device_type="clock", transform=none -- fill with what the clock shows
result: 4:01
